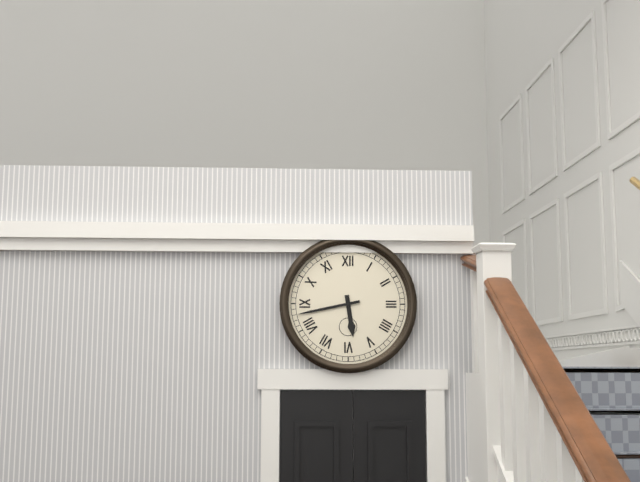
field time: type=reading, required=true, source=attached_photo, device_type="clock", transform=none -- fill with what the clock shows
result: 5:43
